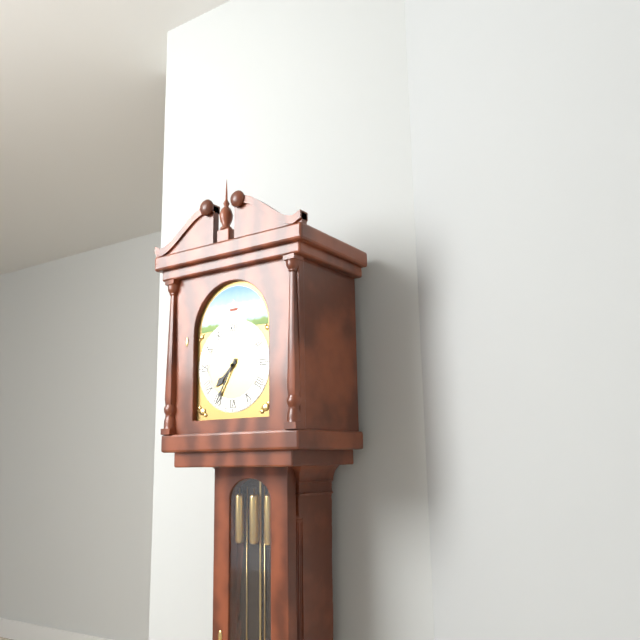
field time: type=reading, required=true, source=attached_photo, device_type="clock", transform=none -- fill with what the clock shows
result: 7:35
